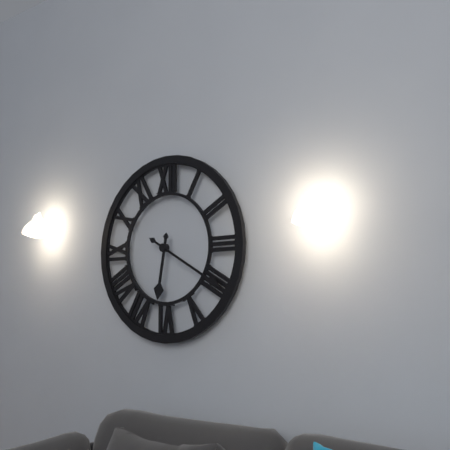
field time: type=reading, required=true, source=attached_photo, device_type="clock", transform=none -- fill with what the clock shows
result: 6:20
